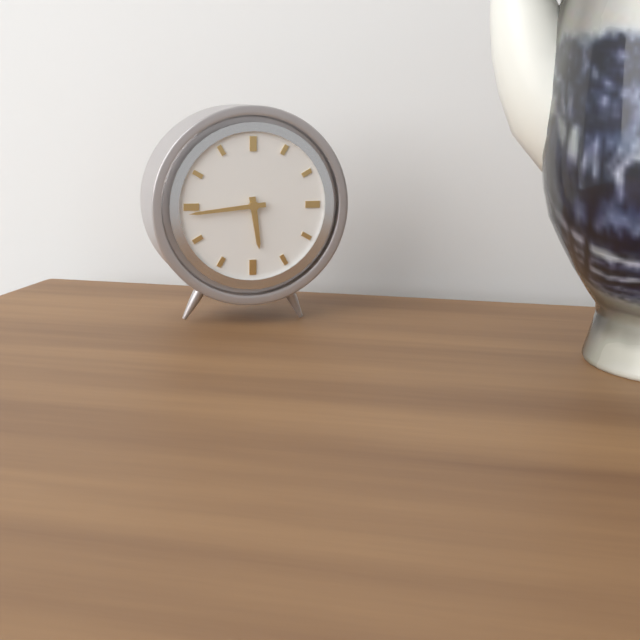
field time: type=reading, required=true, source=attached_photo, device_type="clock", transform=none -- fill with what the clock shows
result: 5:44
